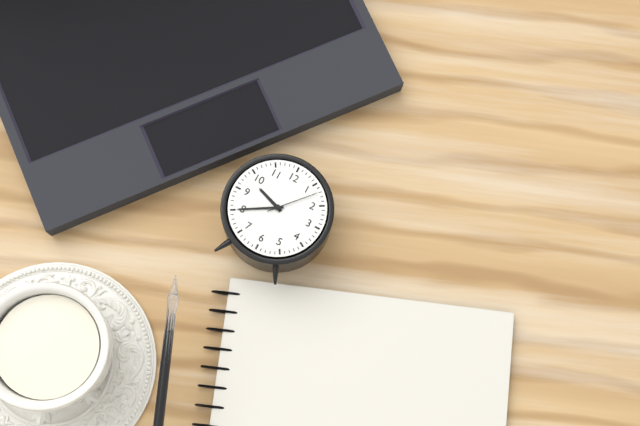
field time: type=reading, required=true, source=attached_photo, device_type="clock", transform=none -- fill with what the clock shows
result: 9:40:07
